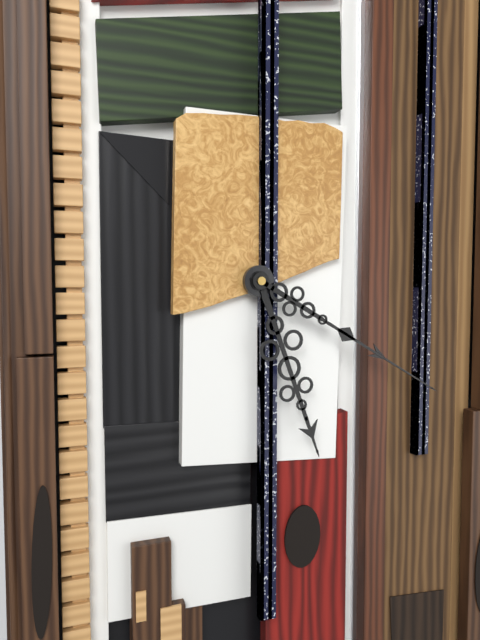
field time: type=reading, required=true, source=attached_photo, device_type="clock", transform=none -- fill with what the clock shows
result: 5:20
